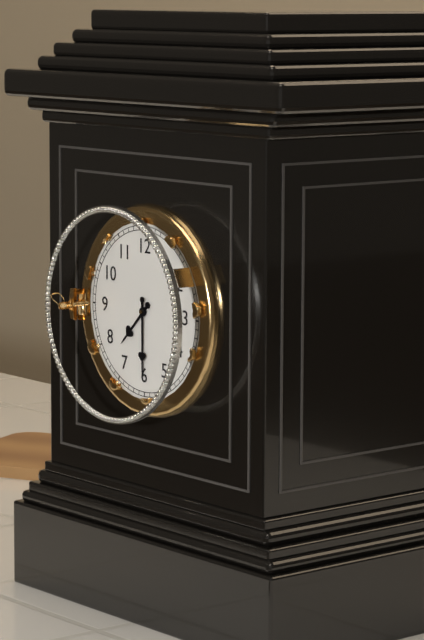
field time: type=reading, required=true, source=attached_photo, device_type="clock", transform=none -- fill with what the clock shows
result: 7:30
